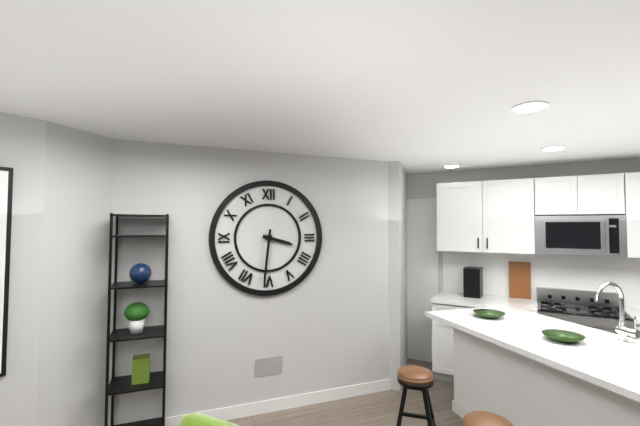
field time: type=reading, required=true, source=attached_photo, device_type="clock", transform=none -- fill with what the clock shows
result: 3:31
